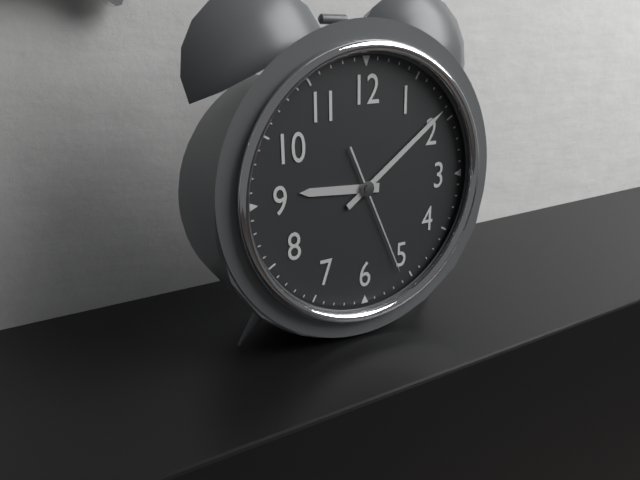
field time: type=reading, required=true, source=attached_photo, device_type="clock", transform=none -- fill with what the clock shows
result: 9:09:26
